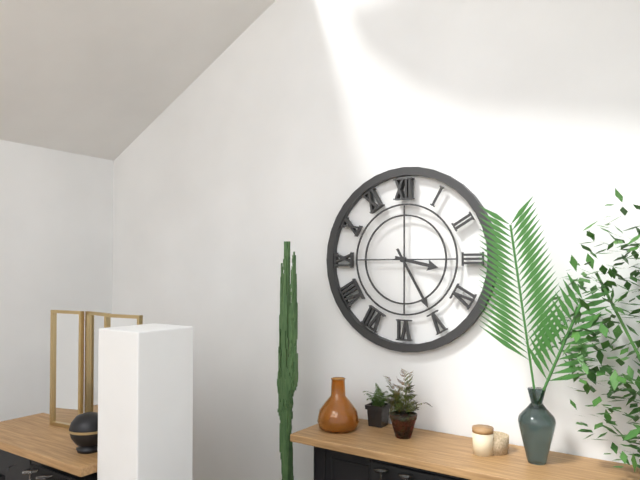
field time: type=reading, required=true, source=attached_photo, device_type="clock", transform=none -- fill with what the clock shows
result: 3:25
